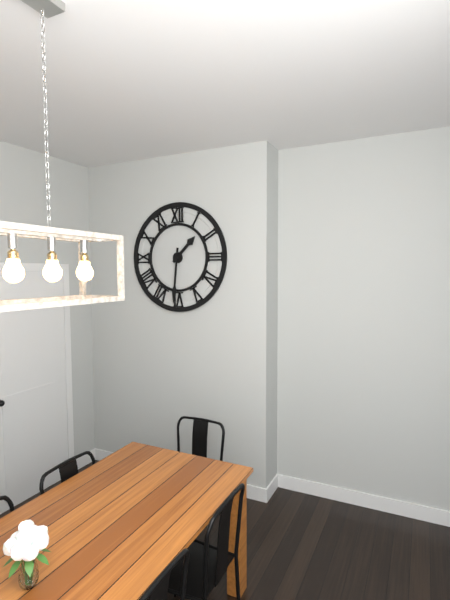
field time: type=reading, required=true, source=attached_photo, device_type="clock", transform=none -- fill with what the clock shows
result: 1:31
